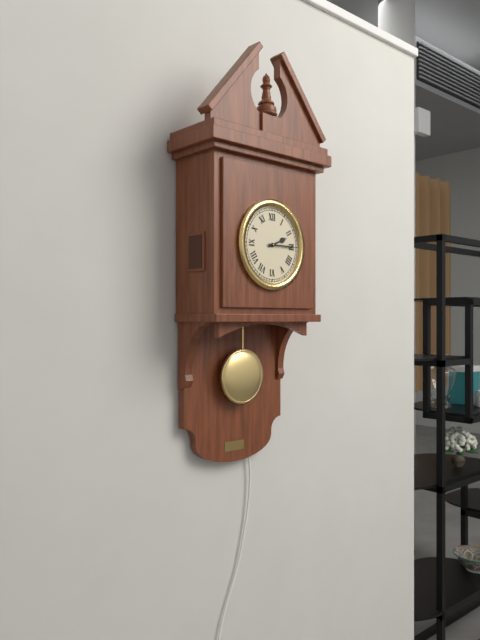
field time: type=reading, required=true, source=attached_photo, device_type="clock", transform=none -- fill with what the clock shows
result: 2:15
